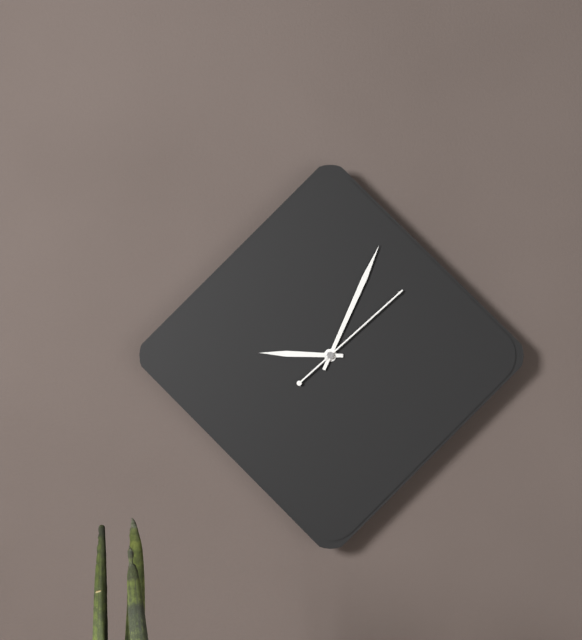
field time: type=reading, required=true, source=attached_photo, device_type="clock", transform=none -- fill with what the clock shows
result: 9:04:08
